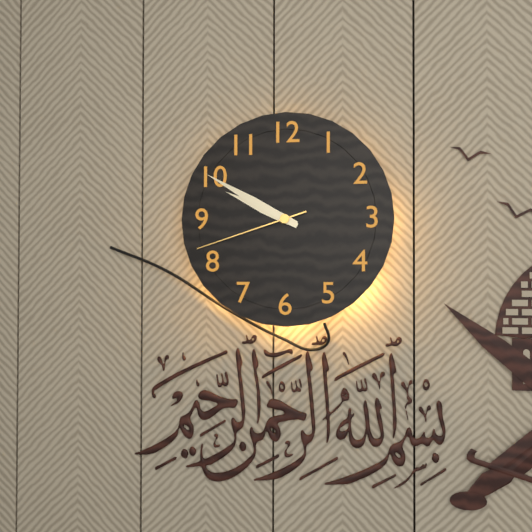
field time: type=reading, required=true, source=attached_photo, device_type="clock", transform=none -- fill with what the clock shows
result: 9:50:42
